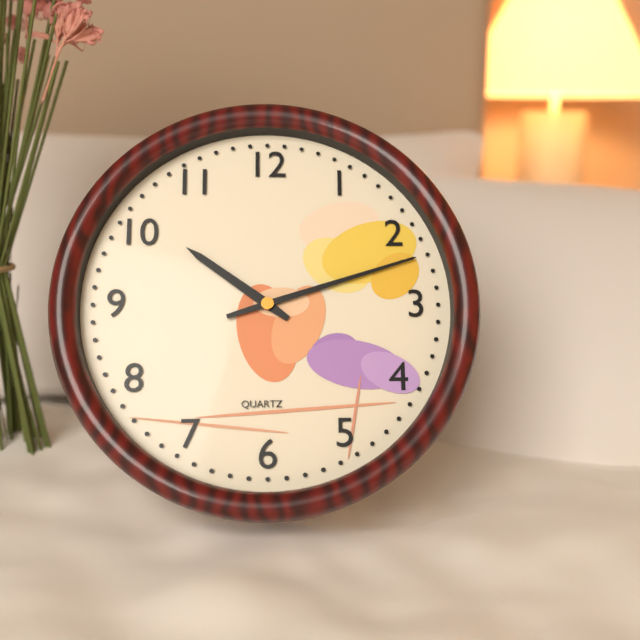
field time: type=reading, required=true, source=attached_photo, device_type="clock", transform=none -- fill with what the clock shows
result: 10:12
